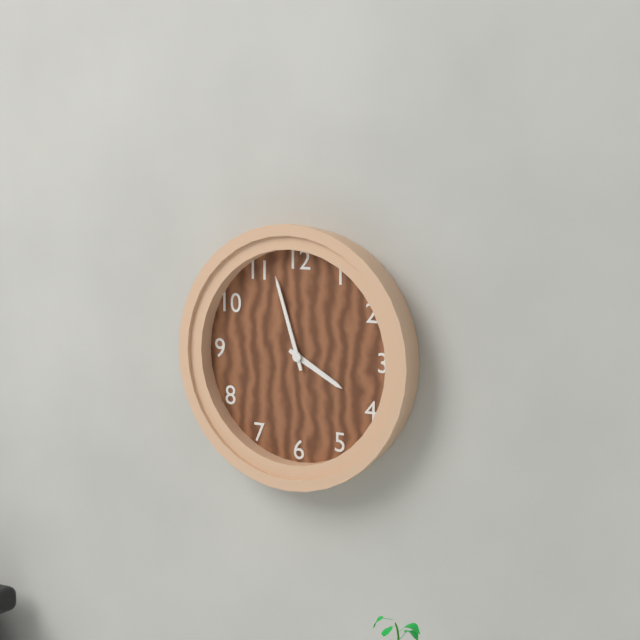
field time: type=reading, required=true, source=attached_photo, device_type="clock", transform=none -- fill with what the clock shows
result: 3:57
